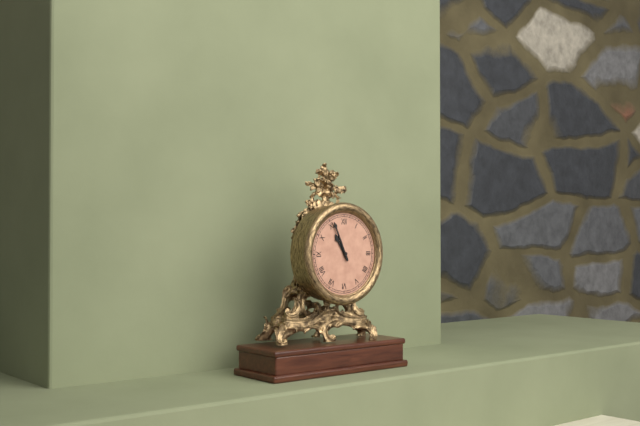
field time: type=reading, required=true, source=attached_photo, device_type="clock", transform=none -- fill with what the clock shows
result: 10:56
